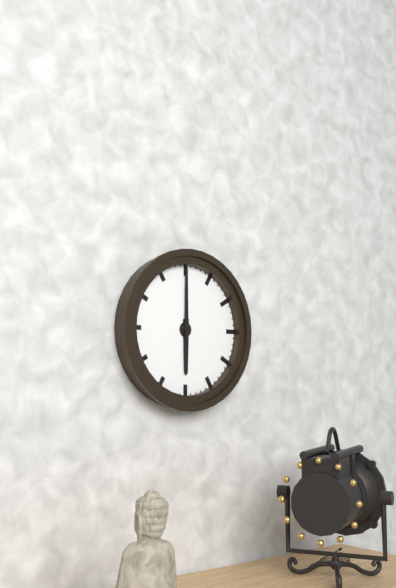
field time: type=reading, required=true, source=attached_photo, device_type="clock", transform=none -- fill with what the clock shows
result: 6:00
